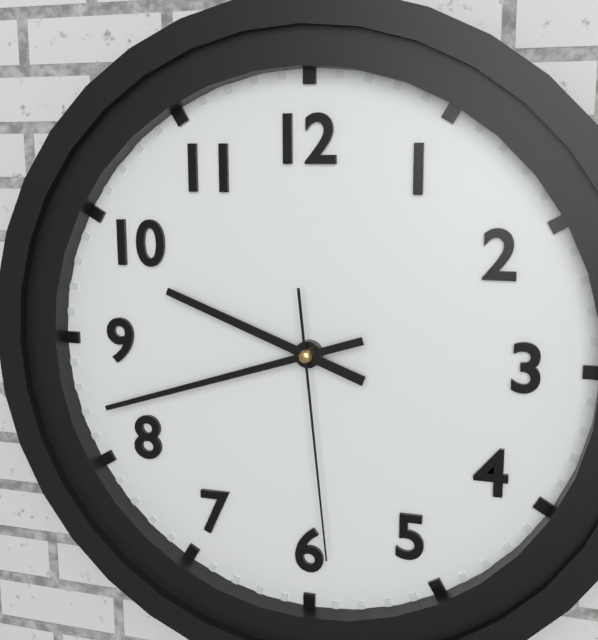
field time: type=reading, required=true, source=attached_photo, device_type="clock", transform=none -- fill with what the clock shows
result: 9:42:29
